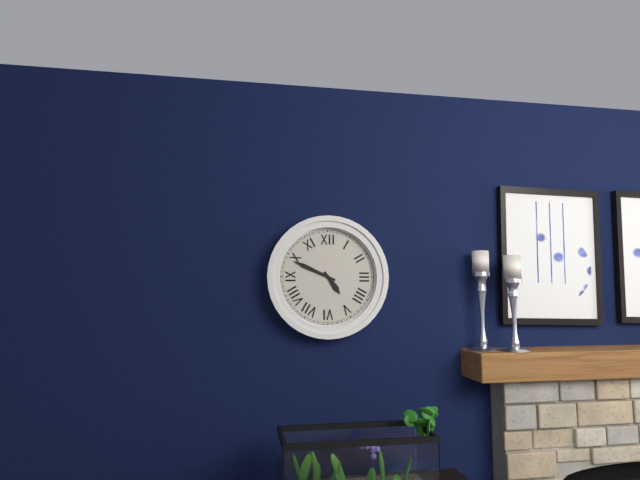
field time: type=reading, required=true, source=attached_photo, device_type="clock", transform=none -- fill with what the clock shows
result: 4:49
